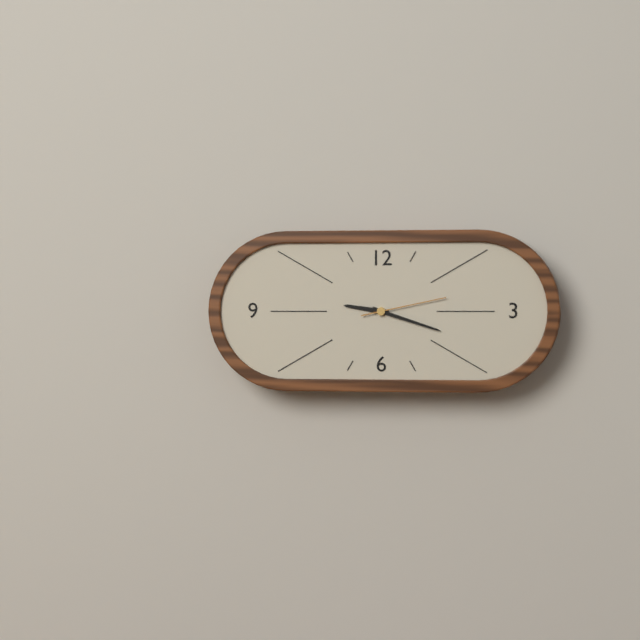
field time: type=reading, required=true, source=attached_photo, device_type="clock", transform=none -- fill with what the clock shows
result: 9:18:13
